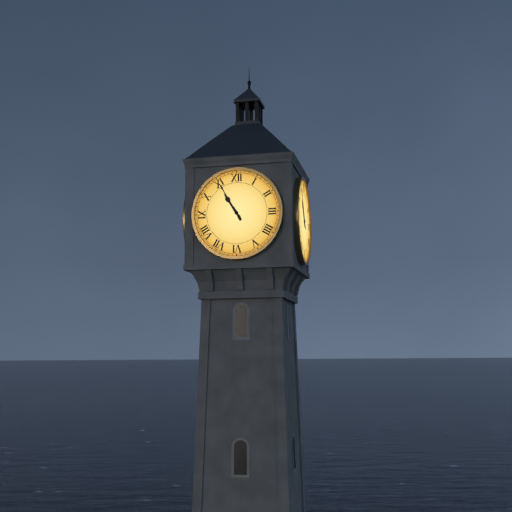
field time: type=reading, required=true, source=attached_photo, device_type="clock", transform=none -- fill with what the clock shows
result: 10:55
